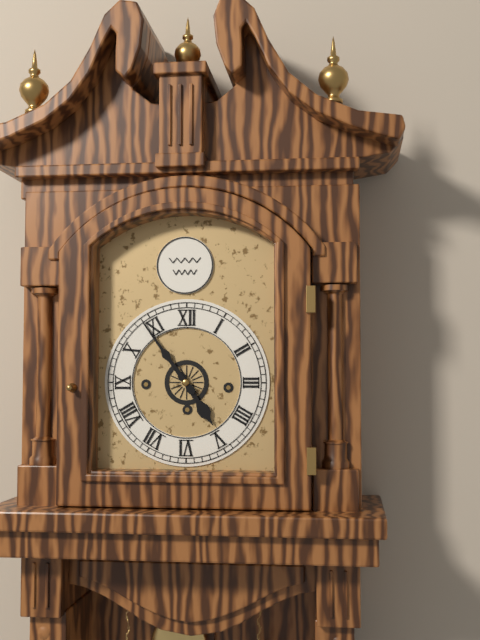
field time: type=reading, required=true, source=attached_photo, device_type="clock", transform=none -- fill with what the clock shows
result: 4:54
